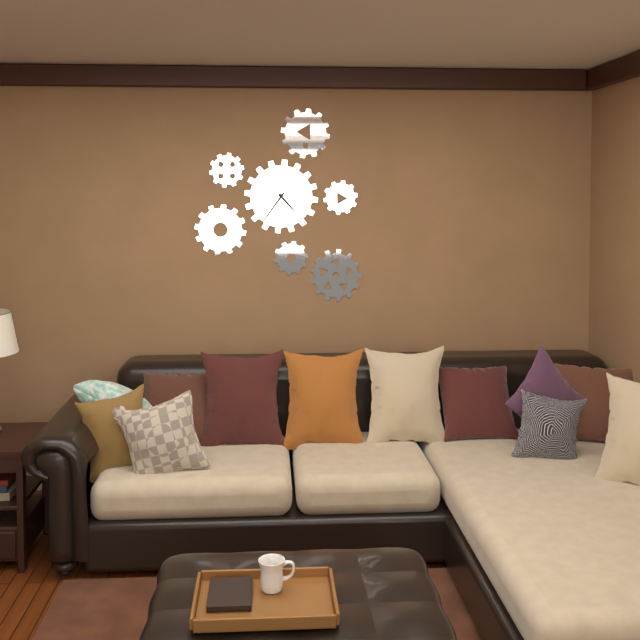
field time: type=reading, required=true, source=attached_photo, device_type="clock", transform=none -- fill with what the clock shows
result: 4:36
